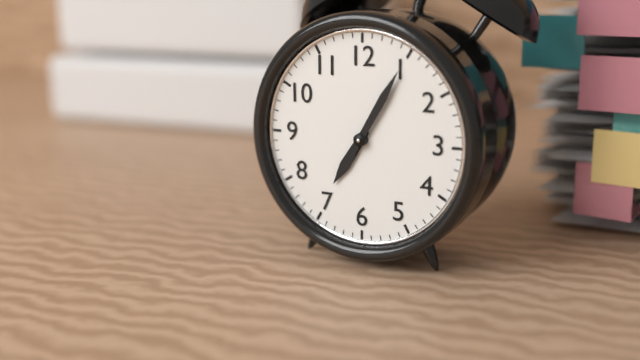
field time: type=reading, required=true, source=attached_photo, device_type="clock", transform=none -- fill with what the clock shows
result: 7:05
